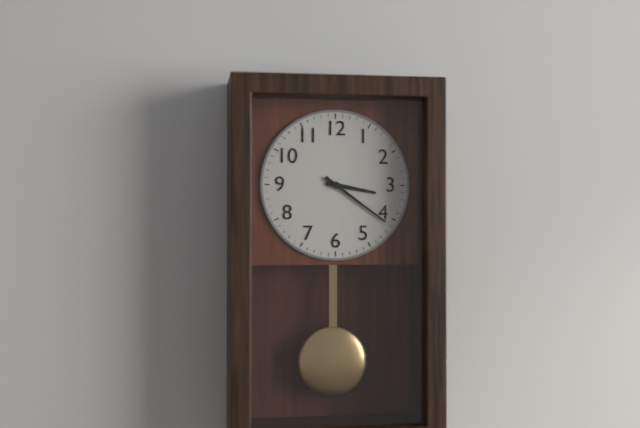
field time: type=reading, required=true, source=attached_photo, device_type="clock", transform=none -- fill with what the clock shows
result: 3:21
